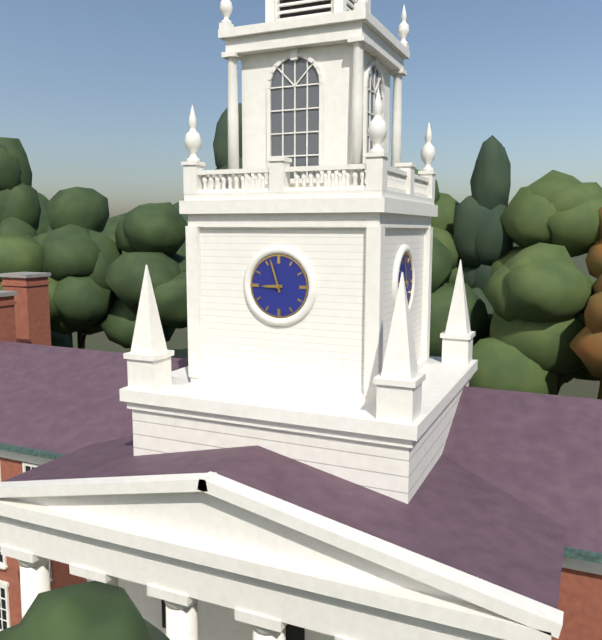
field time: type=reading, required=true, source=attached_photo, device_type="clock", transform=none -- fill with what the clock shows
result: 8:57
